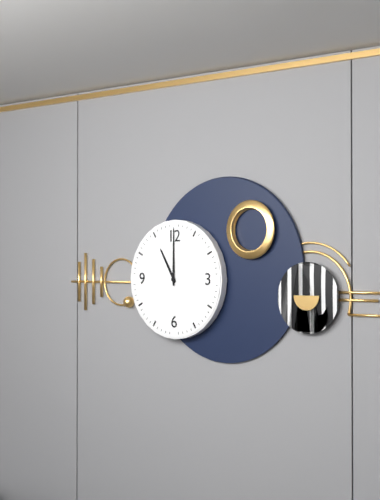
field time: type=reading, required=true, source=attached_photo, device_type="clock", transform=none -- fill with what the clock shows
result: 11:00
